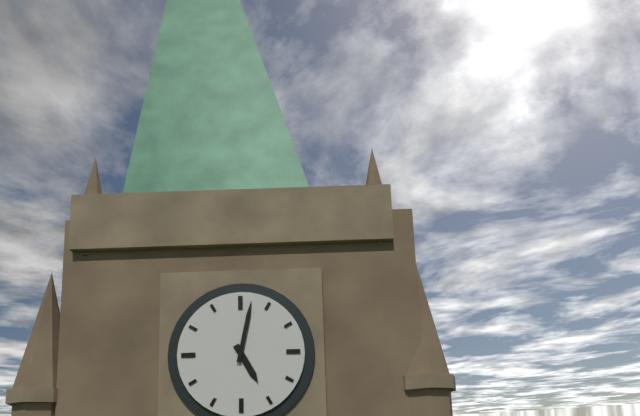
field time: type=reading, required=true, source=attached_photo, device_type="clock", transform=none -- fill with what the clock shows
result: 5:02
